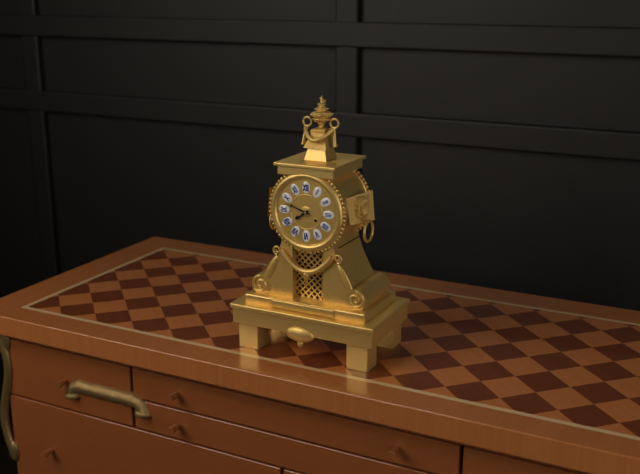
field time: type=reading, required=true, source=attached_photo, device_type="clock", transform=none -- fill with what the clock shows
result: 7:48
